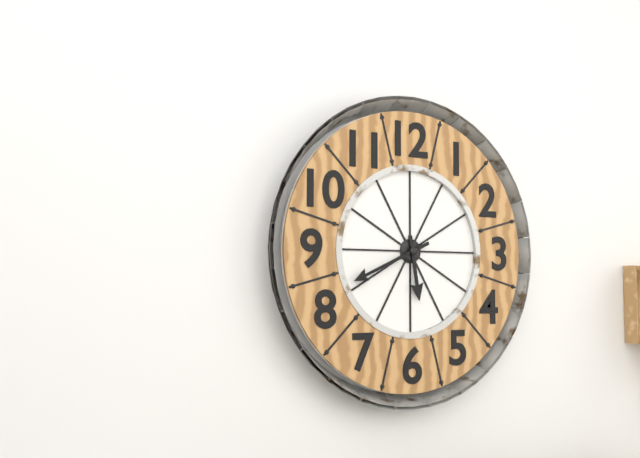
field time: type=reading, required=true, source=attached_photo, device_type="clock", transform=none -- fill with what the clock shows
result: 5:41
